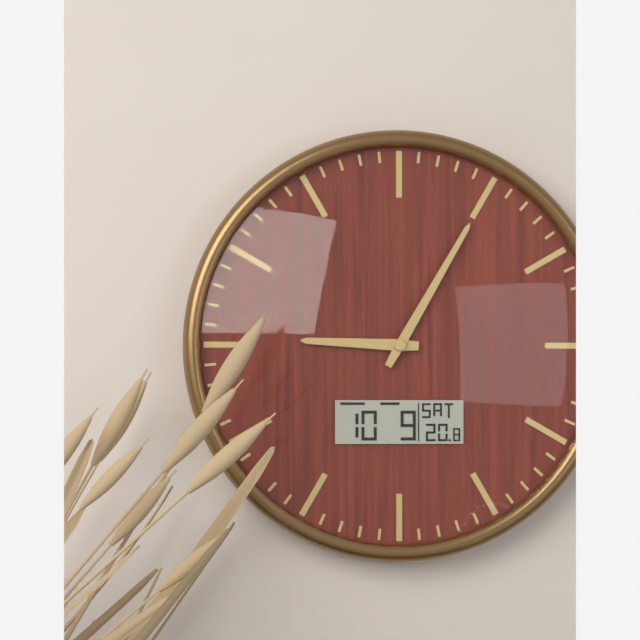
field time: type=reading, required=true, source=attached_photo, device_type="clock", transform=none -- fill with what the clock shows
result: 9:05
